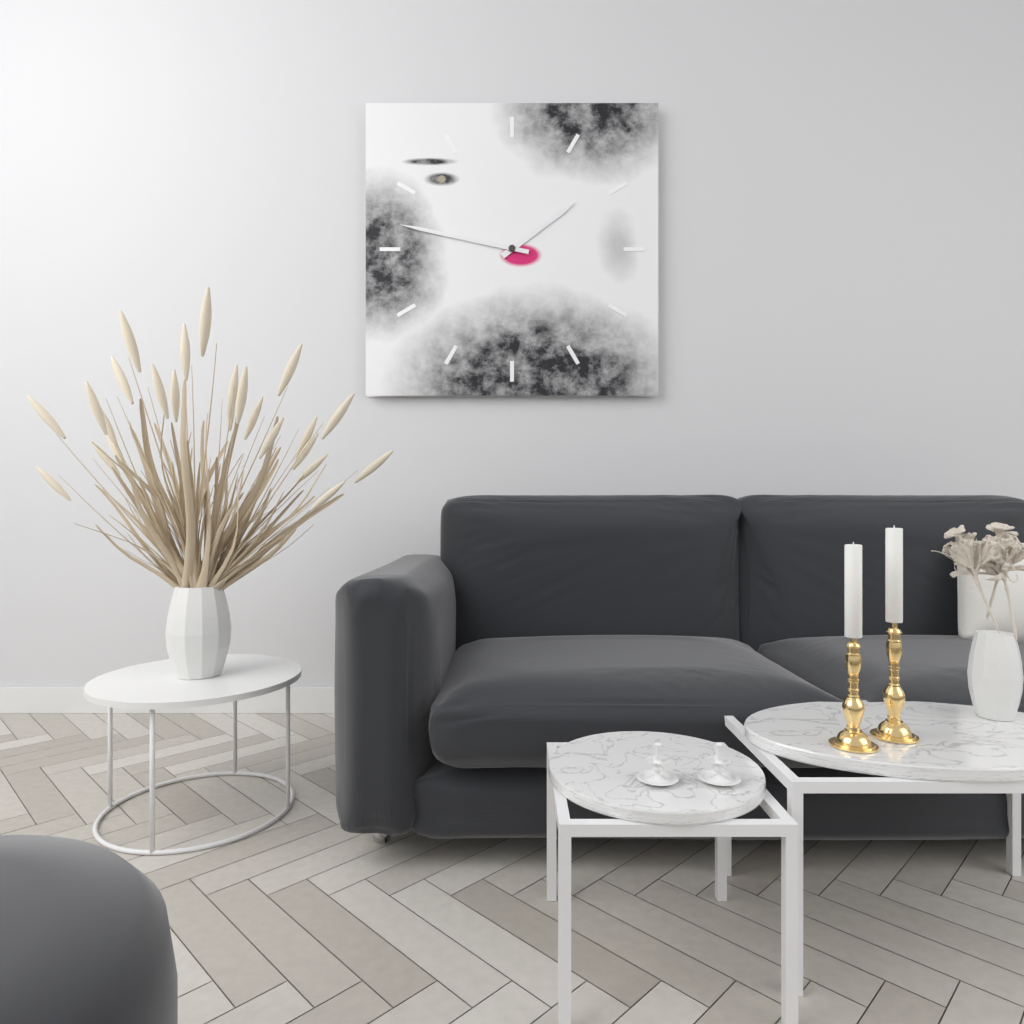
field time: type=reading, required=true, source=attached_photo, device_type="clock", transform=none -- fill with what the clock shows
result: 1:47
